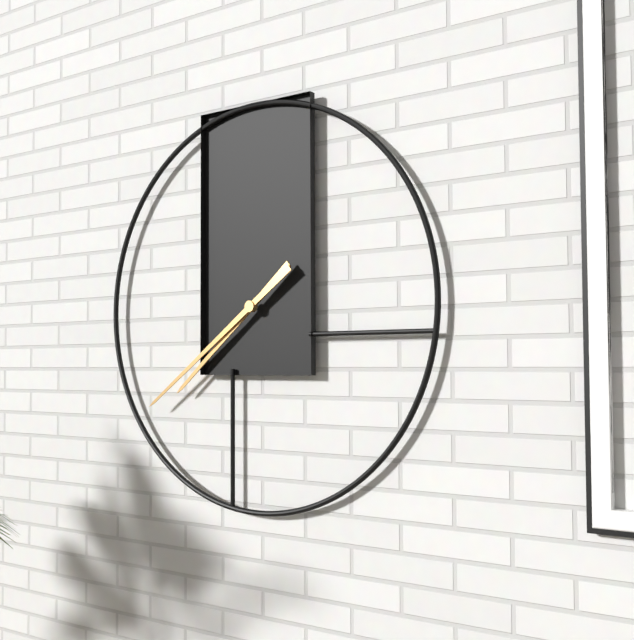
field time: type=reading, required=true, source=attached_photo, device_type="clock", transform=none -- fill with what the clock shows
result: 7:39
